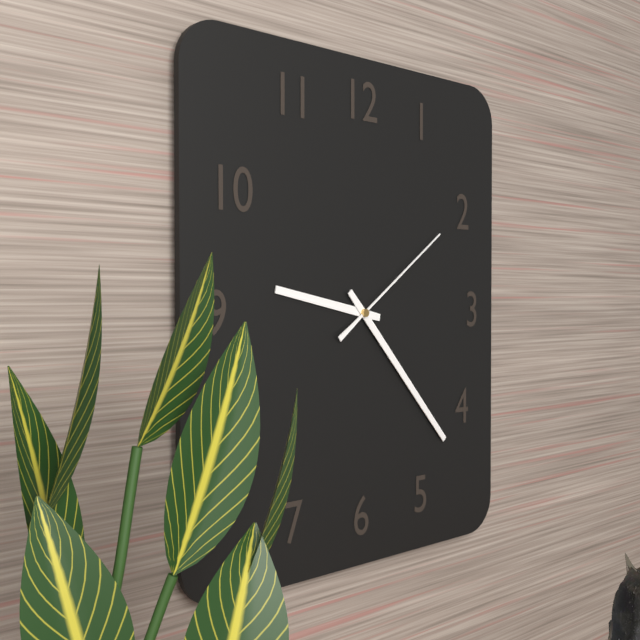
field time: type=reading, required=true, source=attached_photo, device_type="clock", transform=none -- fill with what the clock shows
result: 9:23:09
